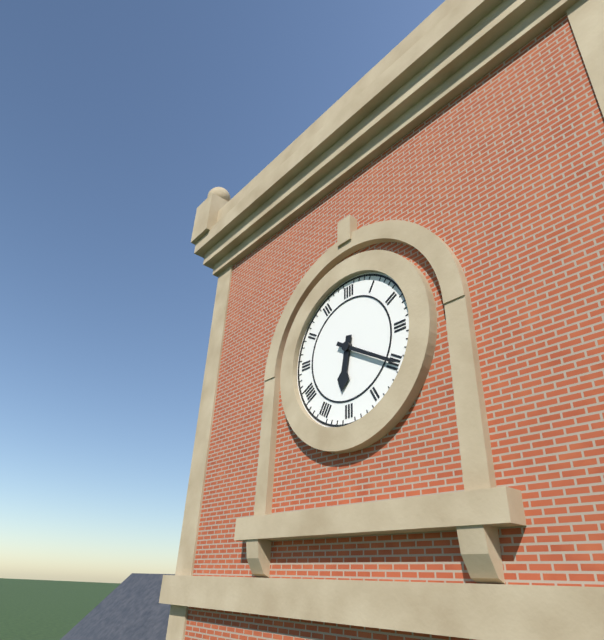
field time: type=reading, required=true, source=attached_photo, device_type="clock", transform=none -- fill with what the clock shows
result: 6:20
